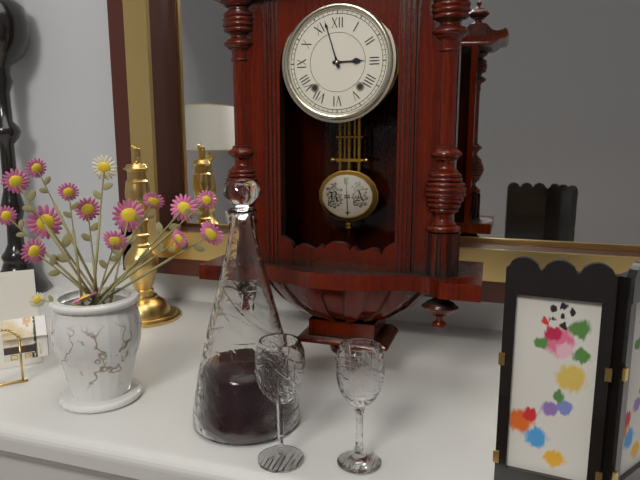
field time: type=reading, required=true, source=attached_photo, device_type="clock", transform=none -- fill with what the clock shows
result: 2:57
